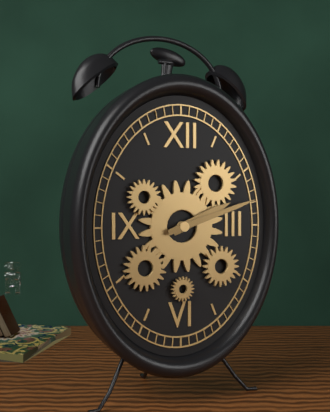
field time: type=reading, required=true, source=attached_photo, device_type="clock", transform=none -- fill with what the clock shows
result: 2:12
